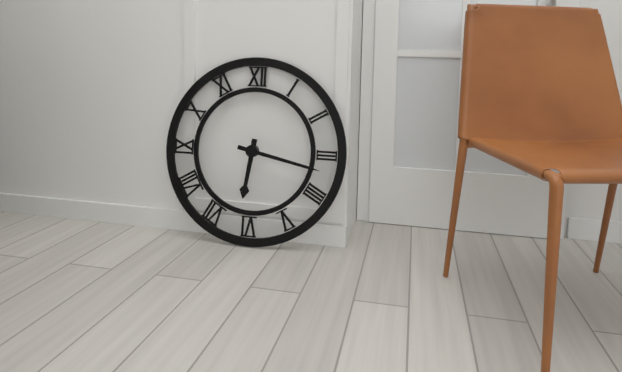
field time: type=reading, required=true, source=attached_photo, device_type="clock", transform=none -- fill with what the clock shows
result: 6:17
